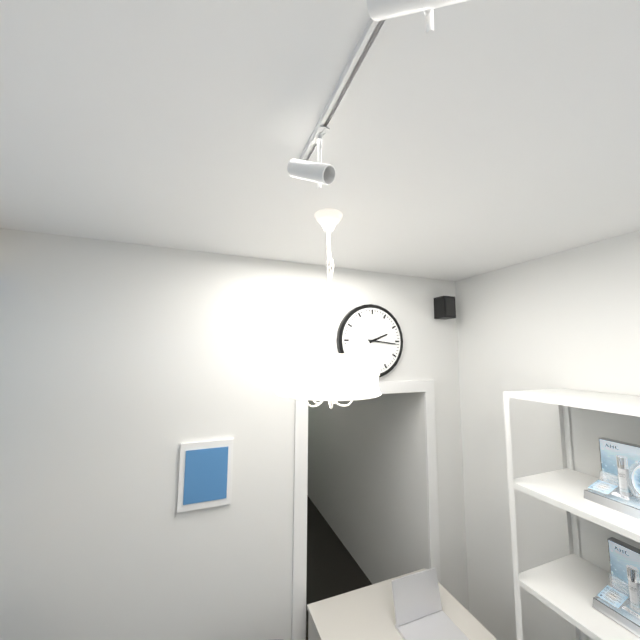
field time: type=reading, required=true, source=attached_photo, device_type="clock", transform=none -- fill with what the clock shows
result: 2:16
